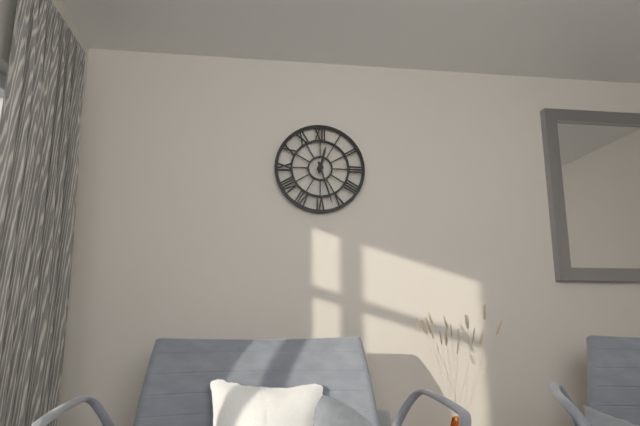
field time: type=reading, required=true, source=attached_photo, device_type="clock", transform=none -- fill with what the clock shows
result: 12:27
